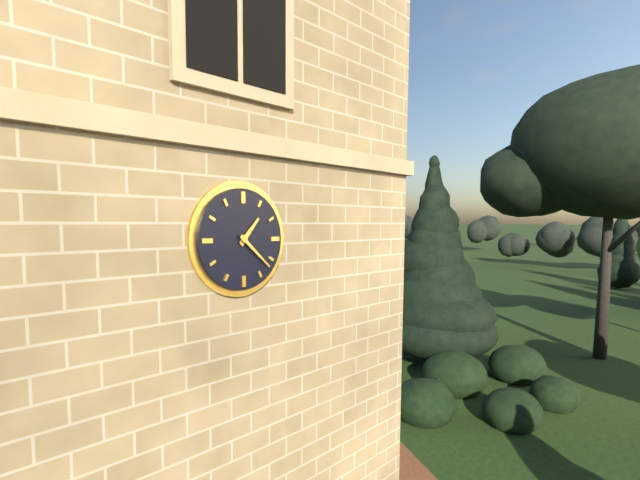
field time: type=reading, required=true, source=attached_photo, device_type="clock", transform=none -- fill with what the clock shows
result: 1:22
